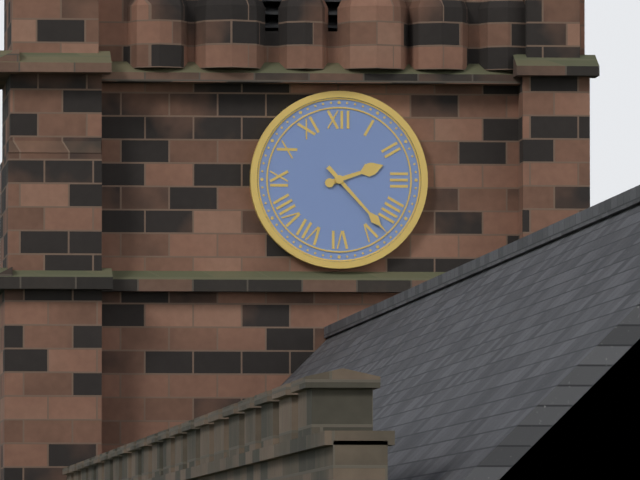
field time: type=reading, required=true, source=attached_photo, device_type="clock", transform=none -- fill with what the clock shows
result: 2:23
